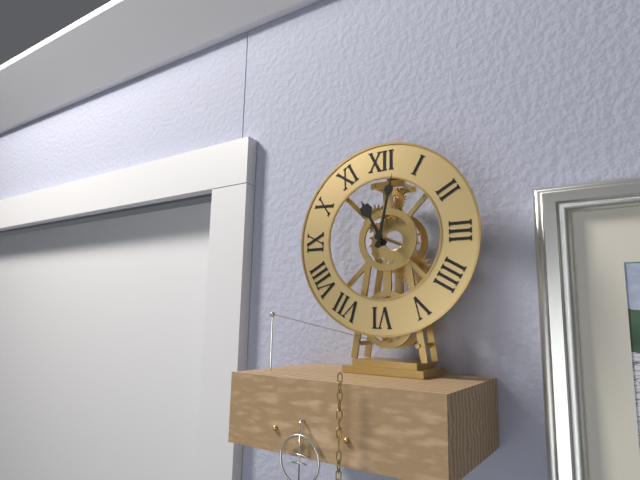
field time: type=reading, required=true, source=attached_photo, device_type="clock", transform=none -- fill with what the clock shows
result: 11:02
